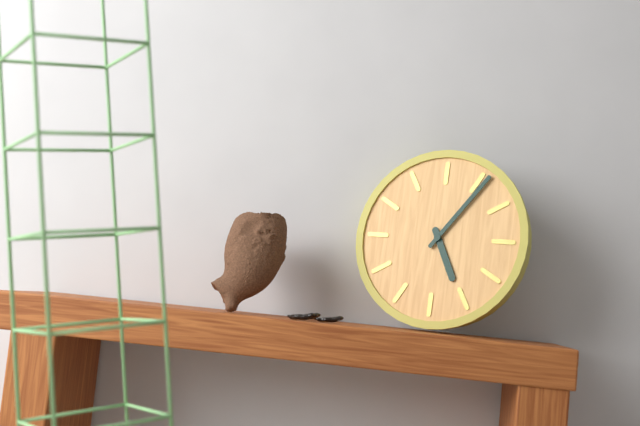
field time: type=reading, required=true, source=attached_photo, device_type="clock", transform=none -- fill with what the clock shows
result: 5:06
